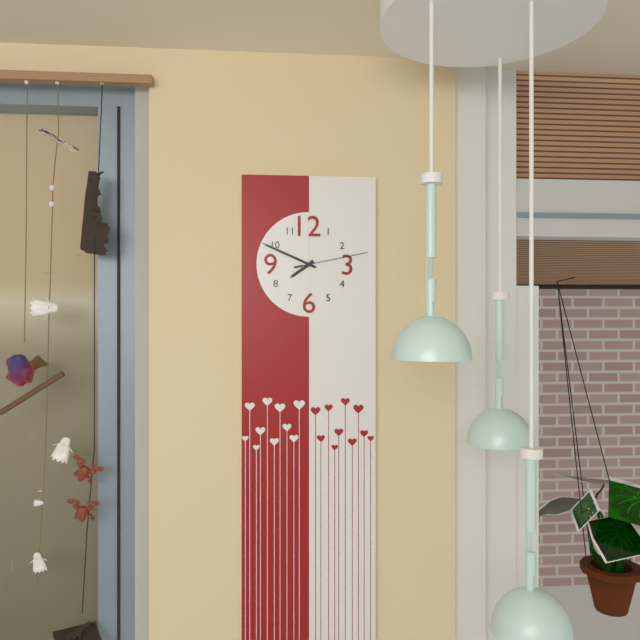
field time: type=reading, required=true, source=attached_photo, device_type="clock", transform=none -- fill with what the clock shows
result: 7:49:13
